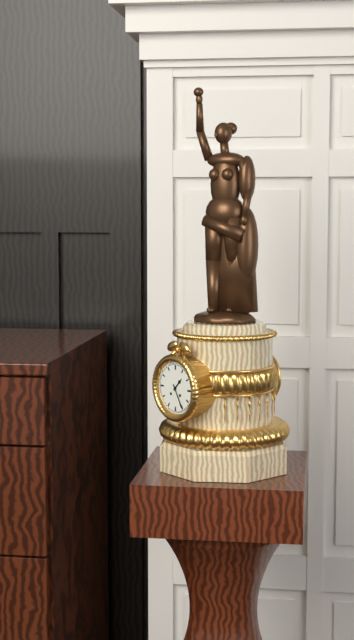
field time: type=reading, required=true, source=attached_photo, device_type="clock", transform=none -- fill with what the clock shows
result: 1:25
